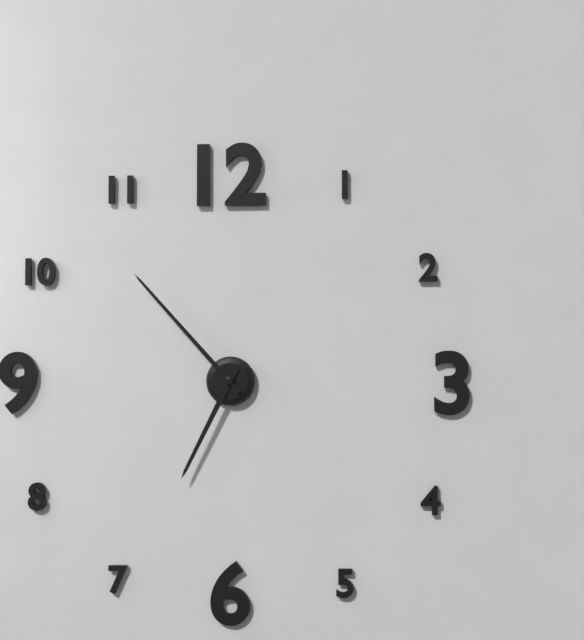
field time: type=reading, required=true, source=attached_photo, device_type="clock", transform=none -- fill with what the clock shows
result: 6:53
